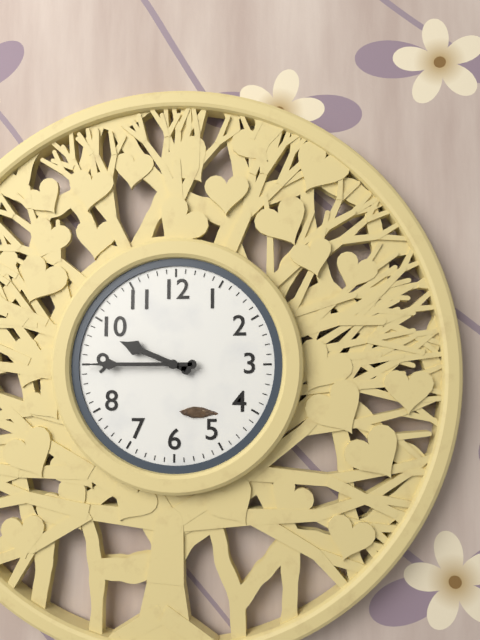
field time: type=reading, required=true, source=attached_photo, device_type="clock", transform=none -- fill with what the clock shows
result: 9:45
